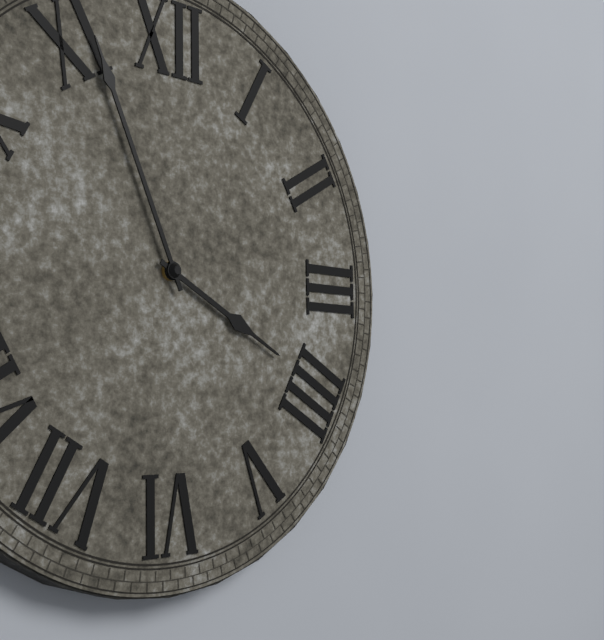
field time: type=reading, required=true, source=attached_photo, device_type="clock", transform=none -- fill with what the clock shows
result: 3:56
